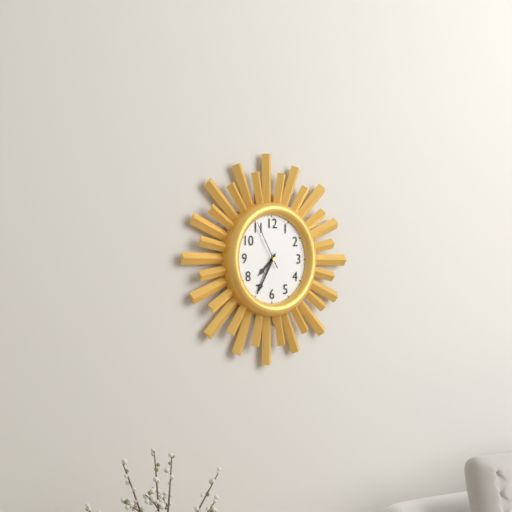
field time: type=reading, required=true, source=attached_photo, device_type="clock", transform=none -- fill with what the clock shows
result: 7:35:55
